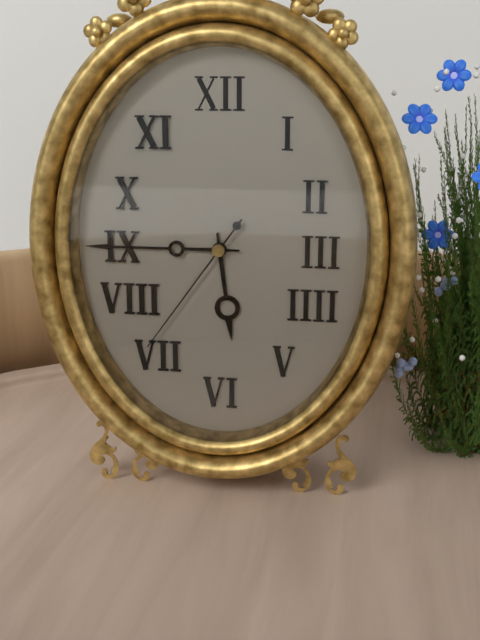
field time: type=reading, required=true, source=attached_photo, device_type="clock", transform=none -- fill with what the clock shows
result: 5:45:36
